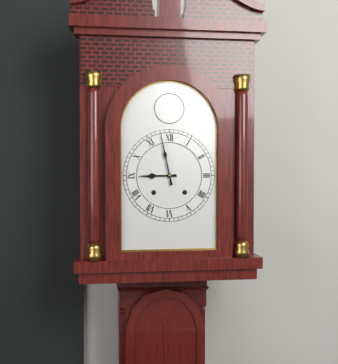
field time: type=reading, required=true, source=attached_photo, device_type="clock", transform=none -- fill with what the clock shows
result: 8:58
